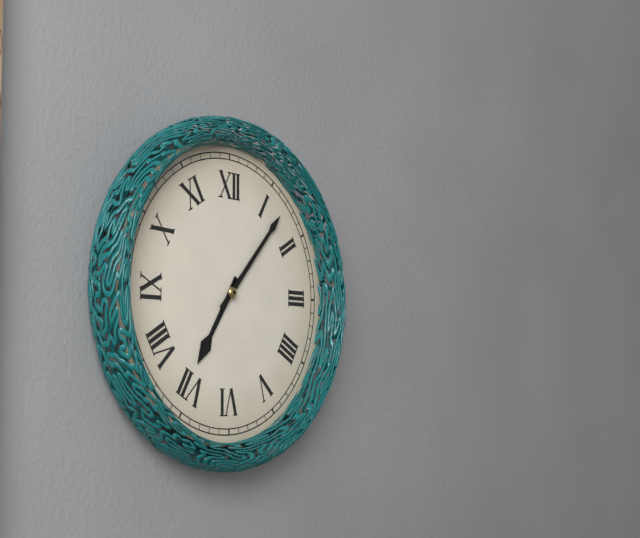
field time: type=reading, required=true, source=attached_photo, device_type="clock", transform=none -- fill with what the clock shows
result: 7:07
